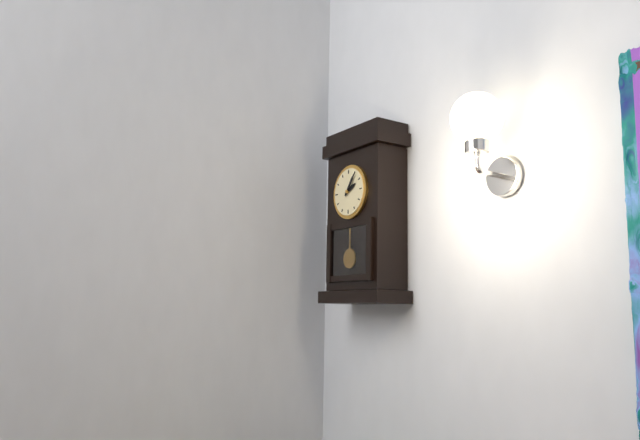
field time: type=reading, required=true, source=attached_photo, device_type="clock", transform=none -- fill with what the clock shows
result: 2:06
